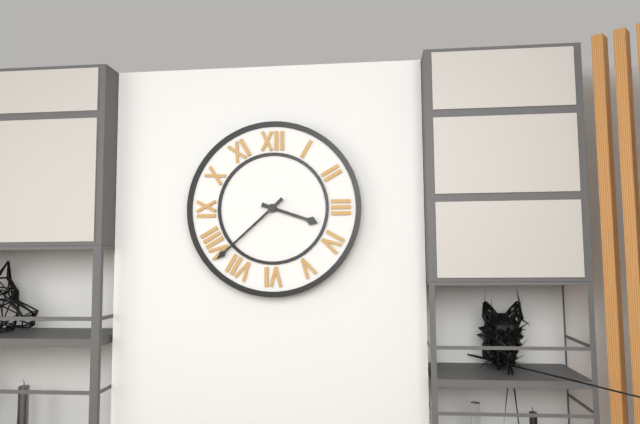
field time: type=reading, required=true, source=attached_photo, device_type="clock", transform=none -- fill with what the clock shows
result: 3:38
